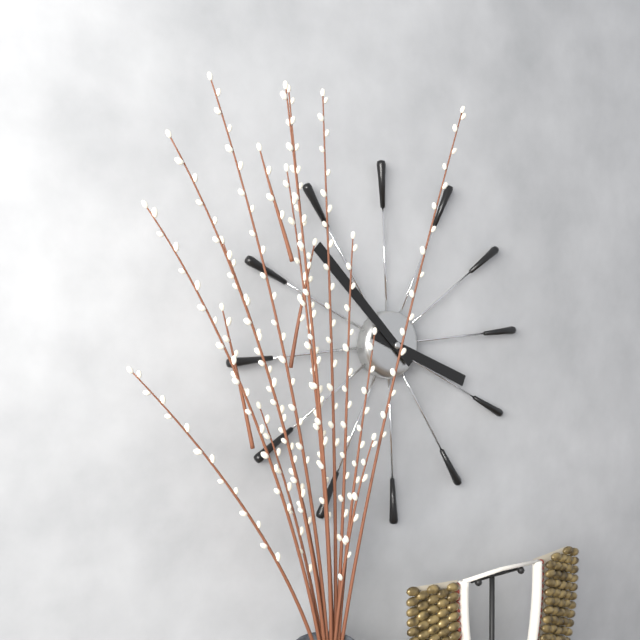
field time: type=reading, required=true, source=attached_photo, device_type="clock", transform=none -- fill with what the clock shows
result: 3:53
